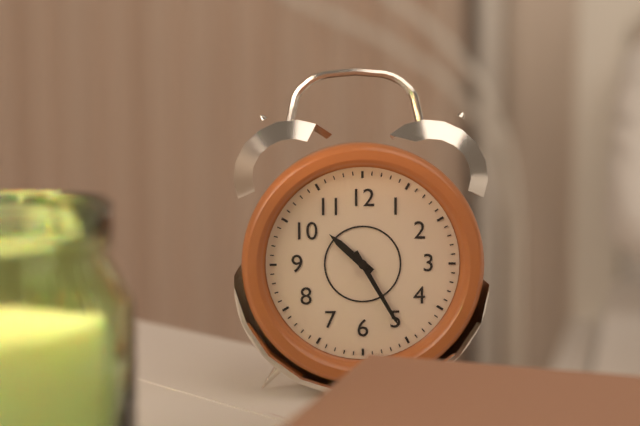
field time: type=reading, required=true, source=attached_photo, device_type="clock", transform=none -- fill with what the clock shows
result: 10:25
